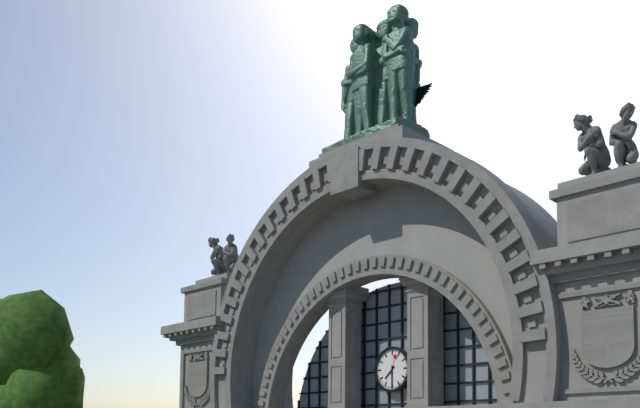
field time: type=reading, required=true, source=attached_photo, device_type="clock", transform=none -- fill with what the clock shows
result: 7:30
